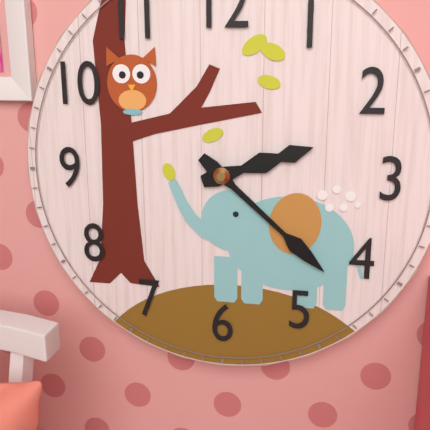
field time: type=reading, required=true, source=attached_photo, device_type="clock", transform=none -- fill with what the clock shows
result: 2:22
